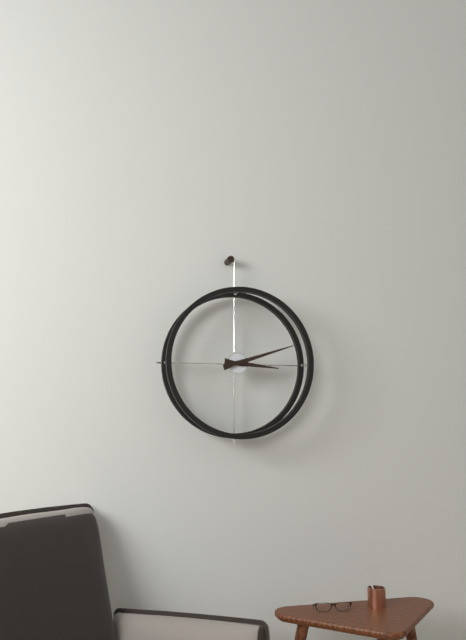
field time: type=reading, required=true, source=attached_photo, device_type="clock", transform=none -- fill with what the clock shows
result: 3:12
